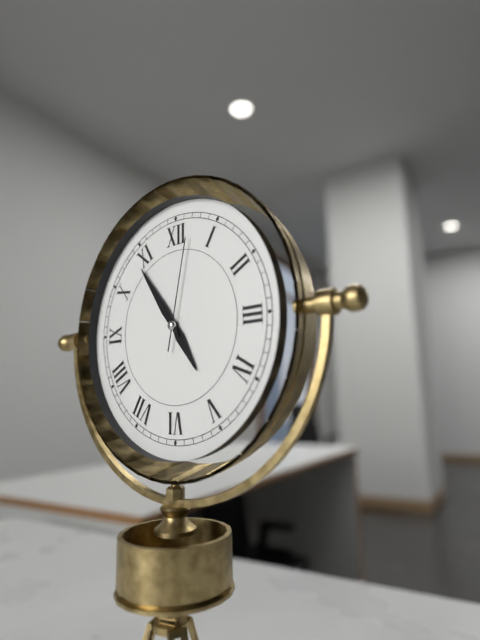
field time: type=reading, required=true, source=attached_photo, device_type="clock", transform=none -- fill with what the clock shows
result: 4:54:02
